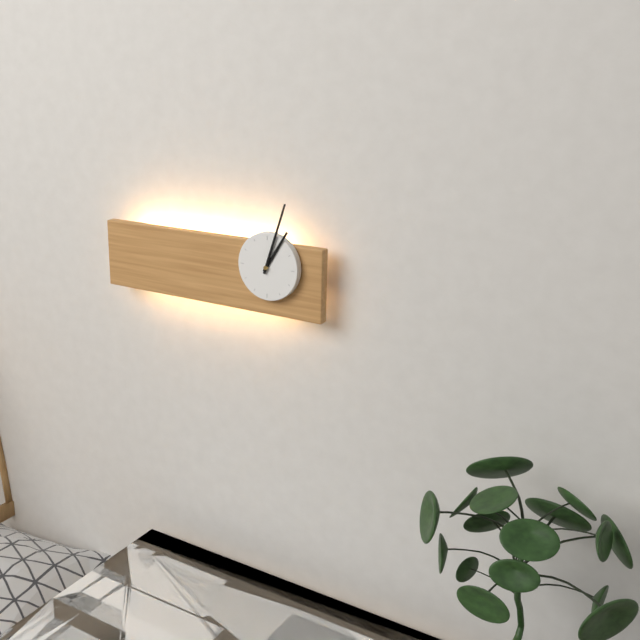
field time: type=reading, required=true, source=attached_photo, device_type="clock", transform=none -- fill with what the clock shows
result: 1:03
